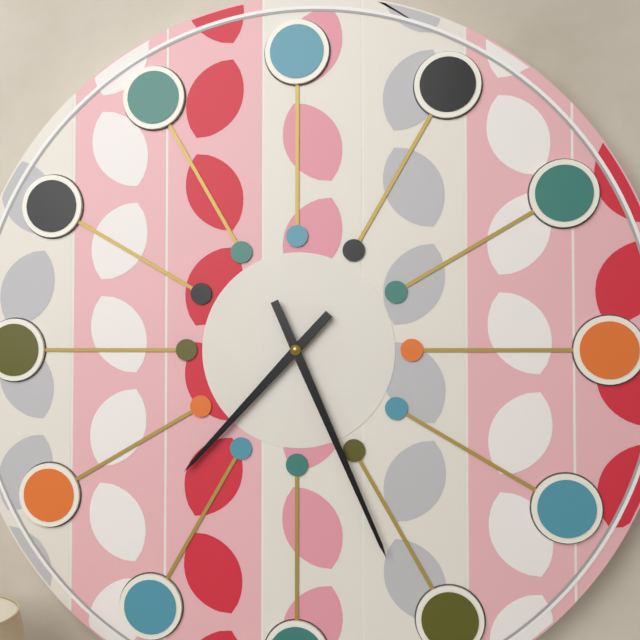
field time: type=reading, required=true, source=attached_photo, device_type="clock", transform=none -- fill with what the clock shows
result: 7:26
